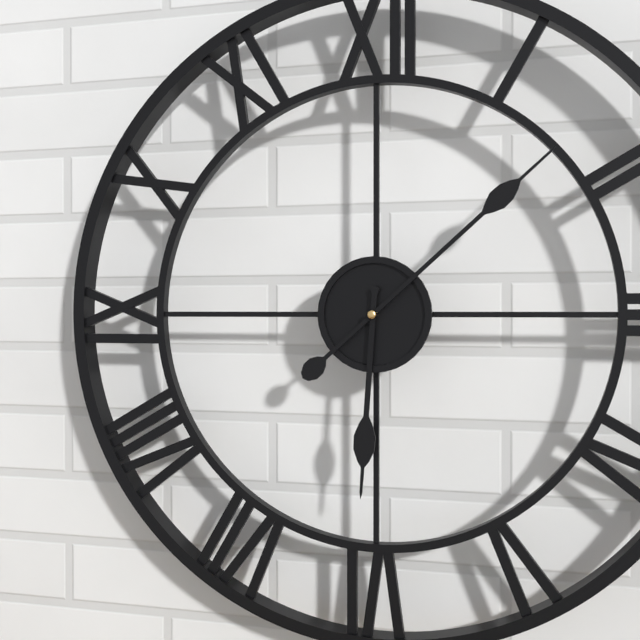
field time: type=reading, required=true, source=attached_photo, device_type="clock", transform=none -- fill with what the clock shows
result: 6:08
